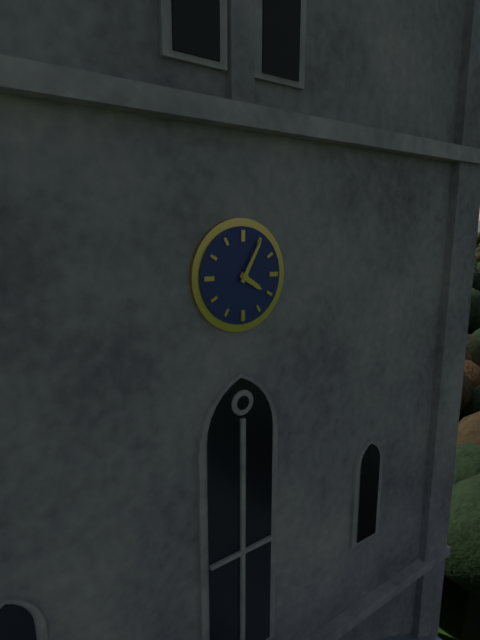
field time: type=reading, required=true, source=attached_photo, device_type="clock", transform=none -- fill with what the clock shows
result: 4:05
